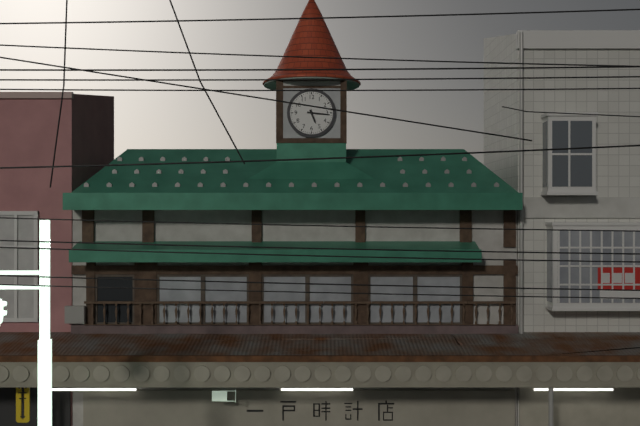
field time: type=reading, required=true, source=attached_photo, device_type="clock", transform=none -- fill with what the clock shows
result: 5:16
